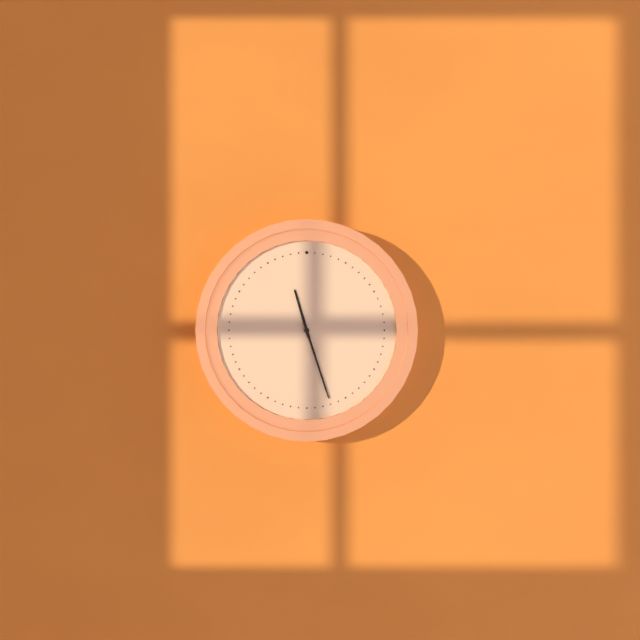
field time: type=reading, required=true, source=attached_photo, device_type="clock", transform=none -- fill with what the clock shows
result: 11:27
